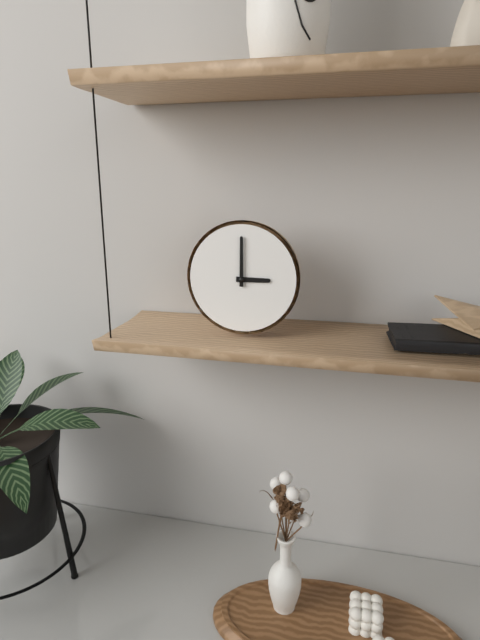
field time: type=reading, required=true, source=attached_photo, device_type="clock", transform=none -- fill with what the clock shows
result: 3:00
